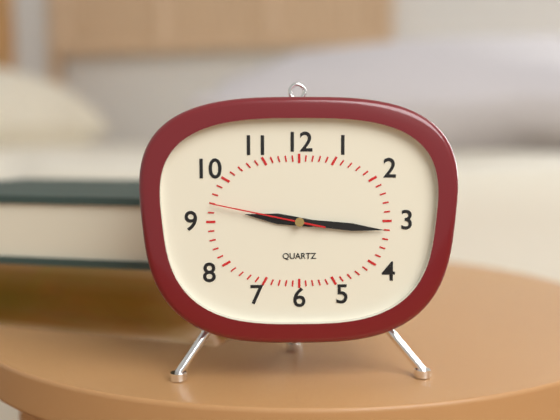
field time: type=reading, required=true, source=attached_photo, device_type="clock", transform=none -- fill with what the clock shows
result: 9:16:47
